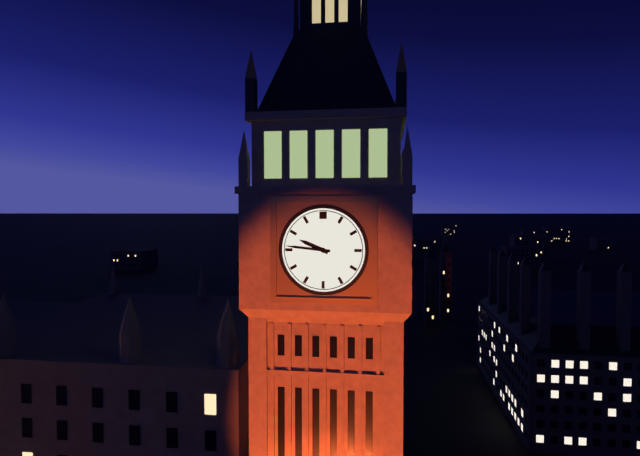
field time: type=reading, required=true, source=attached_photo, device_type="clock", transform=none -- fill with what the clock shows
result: 9:46
